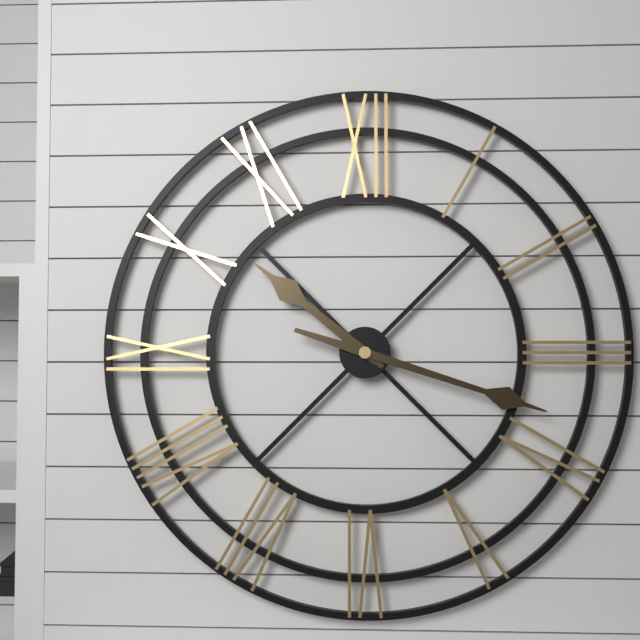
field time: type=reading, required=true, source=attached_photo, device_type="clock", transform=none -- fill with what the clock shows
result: 10:18
